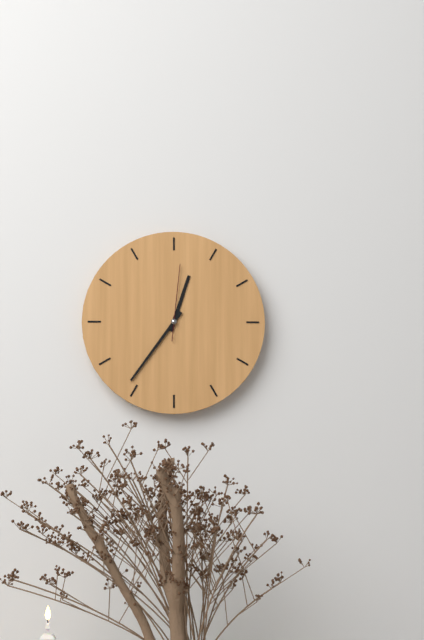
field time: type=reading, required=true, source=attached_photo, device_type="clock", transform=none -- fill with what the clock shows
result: 12:36:01
